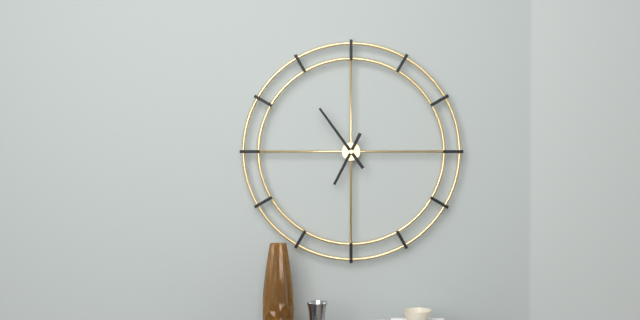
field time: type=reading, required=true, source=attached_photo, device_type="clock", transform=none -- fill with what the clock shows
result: 6:54
